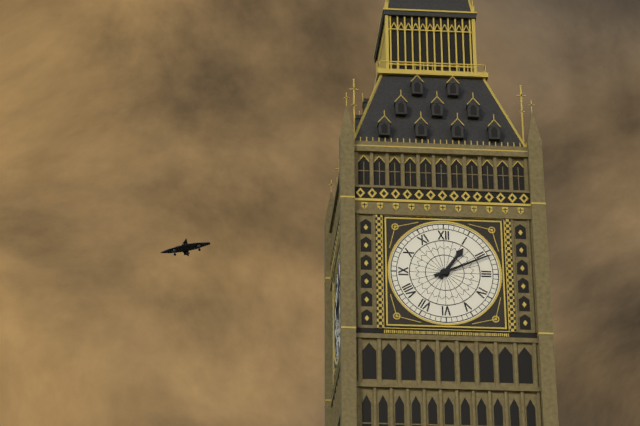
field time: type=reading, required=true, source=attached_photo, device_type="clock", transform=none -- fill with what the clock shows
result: 1:11
